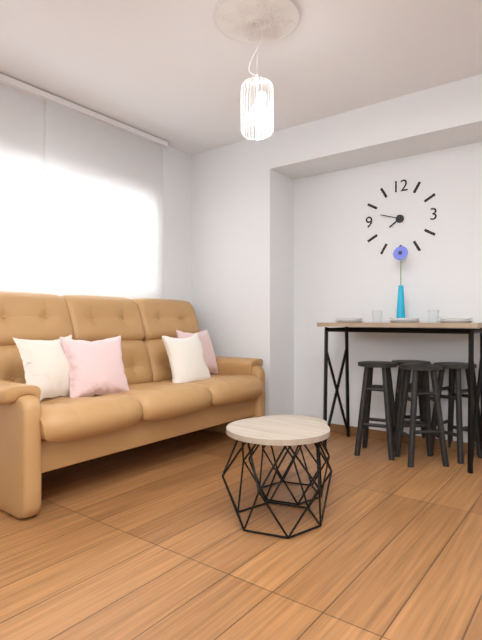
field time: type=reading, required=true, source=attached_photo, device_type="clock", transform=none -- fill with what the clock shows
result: 7:48
